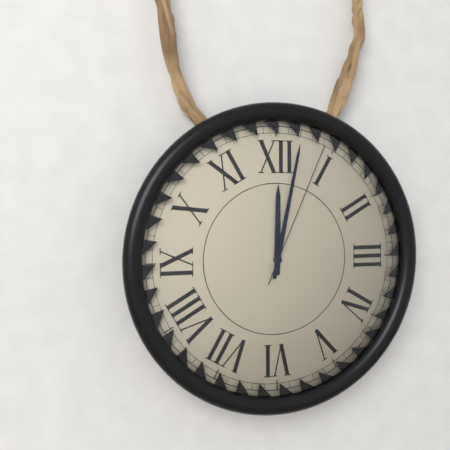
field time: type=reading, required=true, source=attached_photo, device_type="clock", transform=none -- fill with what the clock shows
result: 12:02:04
